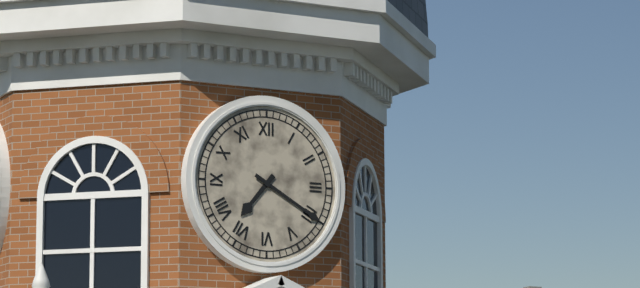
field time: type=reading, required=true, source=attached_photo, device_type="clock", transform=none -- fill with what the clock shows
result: 7:20
